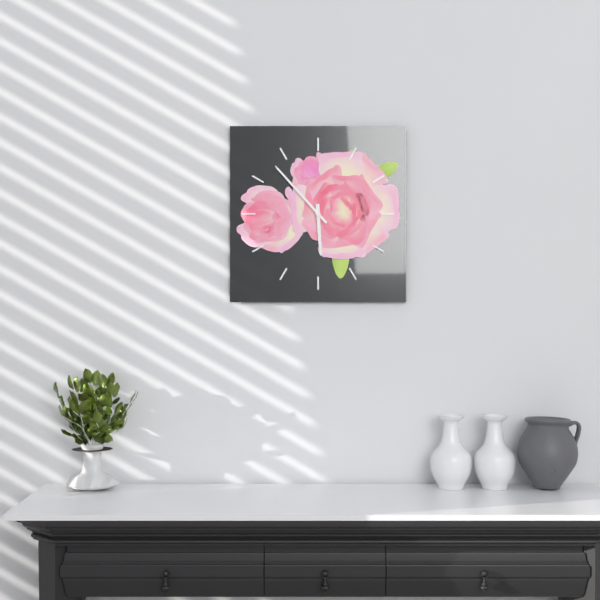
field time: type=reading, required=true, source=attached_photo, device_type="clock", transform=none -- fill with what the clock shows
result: 5:53
